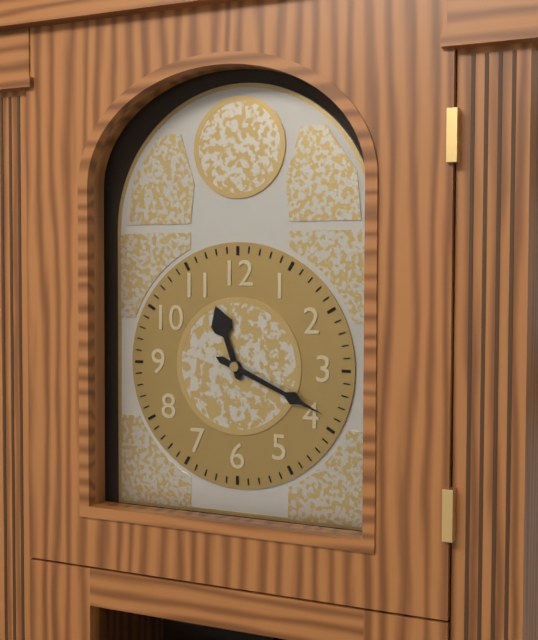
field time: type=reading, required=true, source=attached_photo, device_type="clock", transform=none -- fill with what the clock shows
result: 11:19
